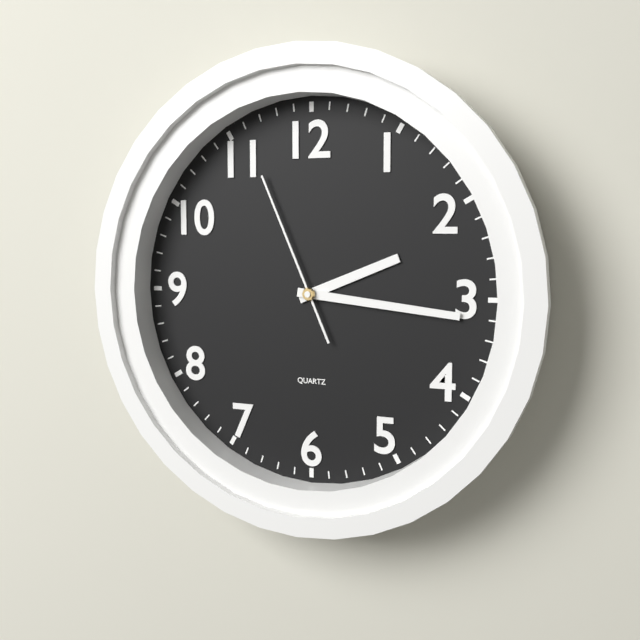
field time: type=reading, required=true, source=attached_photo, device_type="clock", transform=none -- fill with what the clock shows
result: 2:16:56
